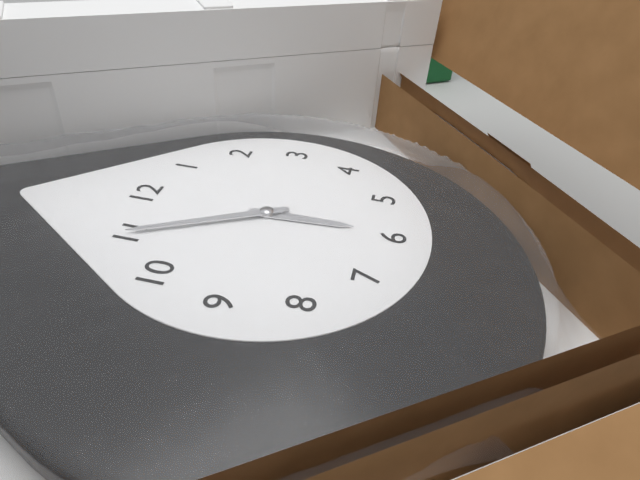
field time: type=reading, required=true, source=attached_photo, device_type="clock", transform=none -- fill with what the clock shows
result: 5:55
